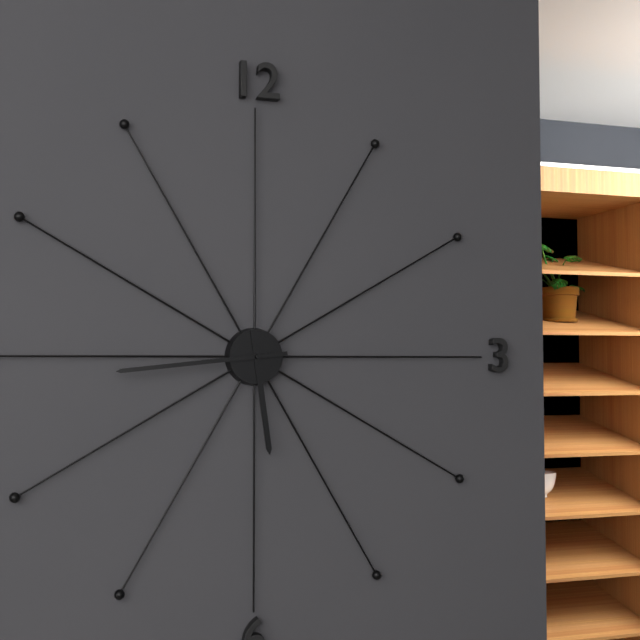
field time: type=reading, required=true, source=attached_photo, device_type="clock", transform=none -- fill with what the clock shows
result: 5:44
